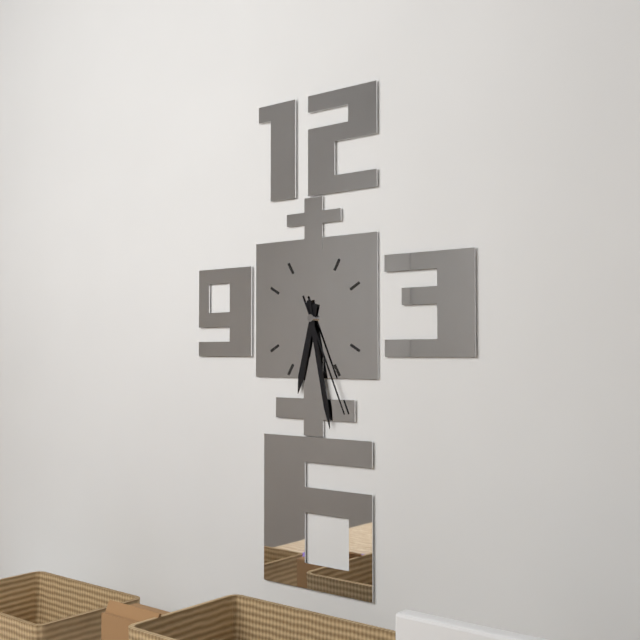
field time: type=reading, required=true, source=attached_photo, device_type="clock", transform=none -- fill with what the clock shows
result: 6:28:26
